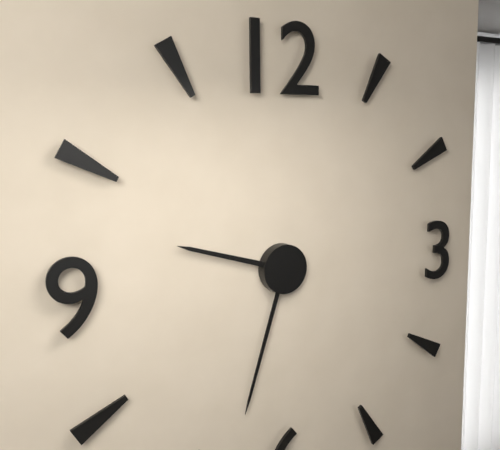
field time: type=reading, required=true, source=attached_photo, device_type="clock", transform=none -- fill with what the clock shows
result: 9:33
